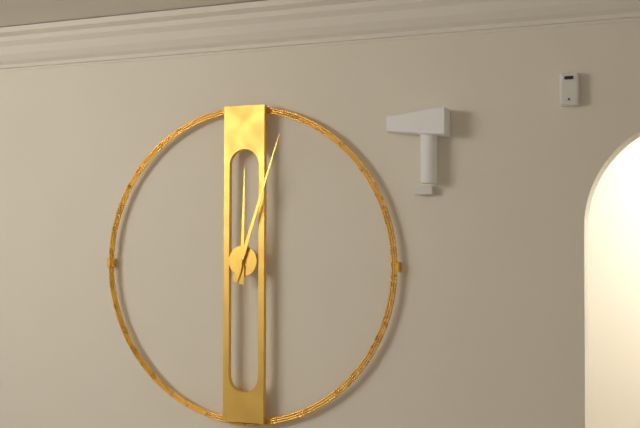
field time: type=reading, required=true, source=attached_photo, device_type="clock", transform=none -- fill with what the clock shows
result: 12:03
